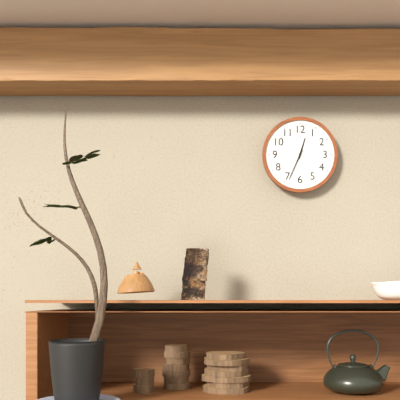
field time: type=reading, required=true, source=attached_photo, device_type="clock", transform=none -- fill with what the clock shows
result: 12:34
